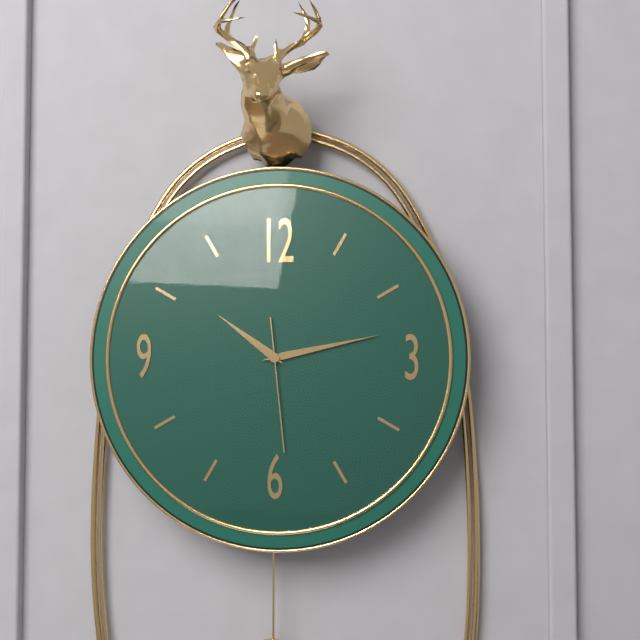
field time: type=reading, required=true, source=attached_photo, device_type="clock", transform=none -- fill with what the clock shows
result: 10:13:29
